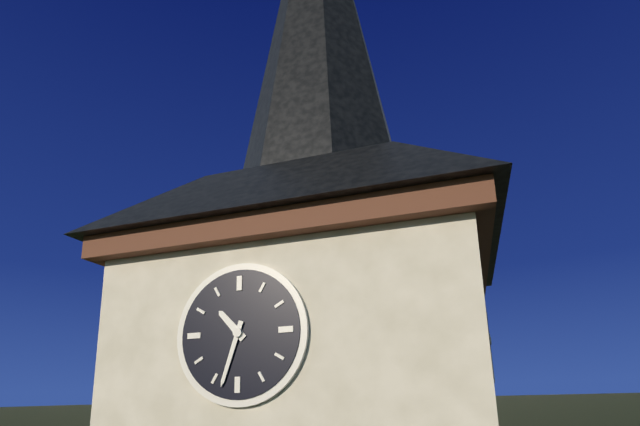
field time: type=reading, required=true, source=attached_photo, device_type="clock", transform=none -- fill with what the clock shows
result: 10:33
